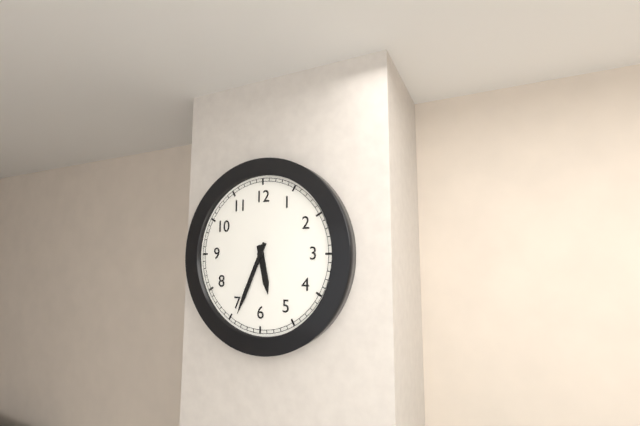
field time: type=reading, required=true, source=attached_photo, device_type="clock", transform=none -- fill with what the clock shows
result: 5:34
